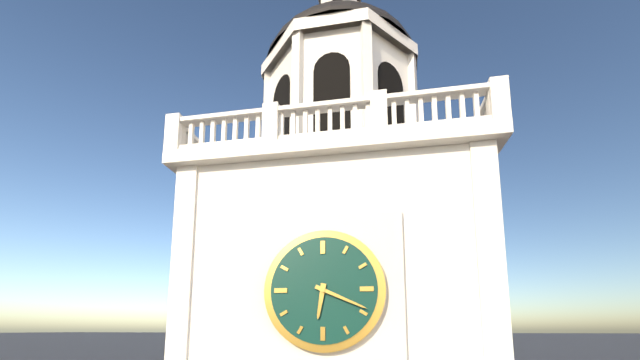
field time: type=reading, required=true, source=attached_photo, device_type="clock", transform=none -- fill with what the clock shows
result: 6:19
